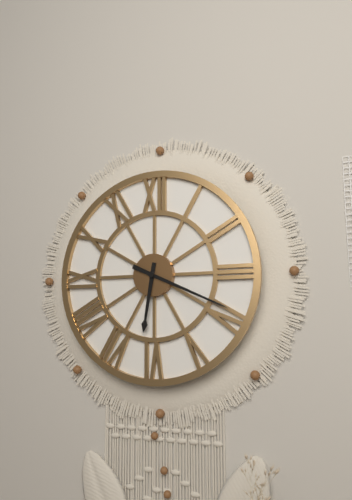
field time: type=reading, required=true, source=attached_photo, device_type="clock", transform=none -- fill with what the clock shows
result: 6:19
